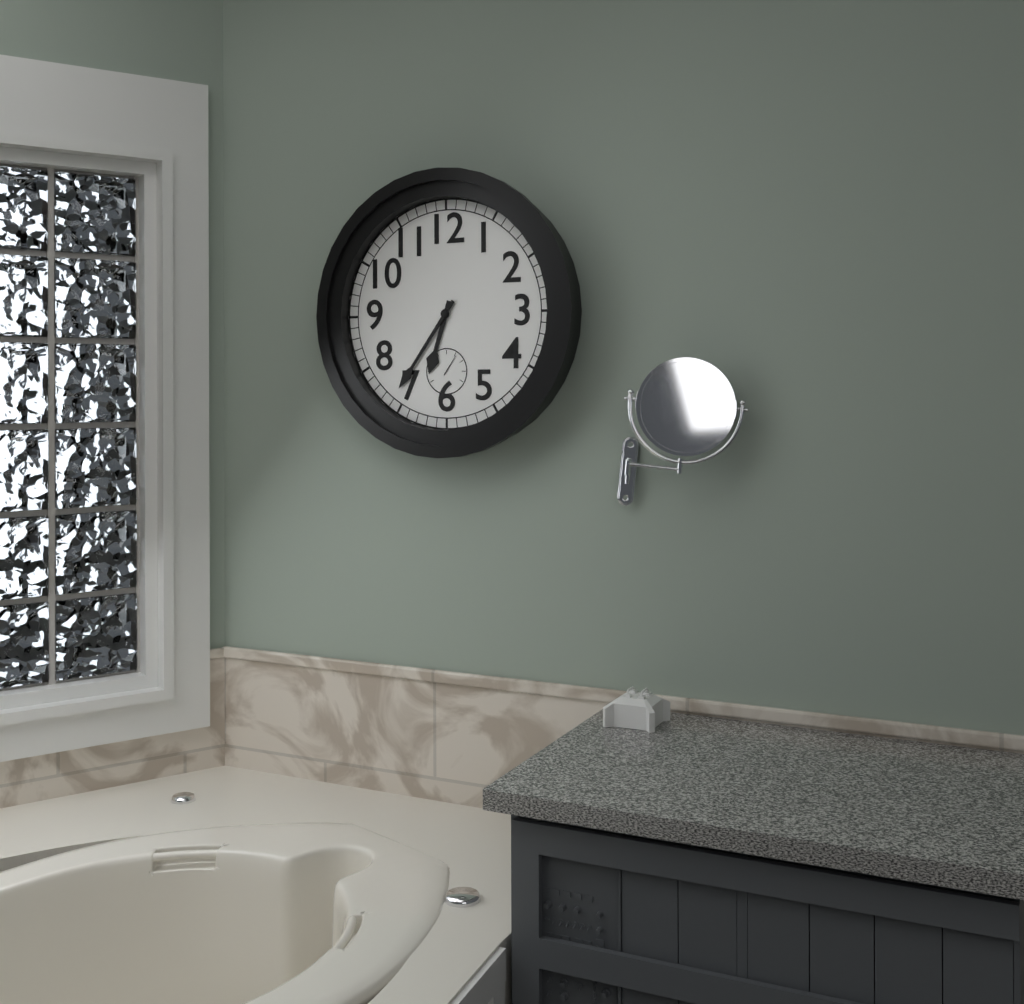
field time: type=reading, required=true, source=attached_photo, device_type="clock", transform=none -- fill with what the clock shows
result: 6:36
